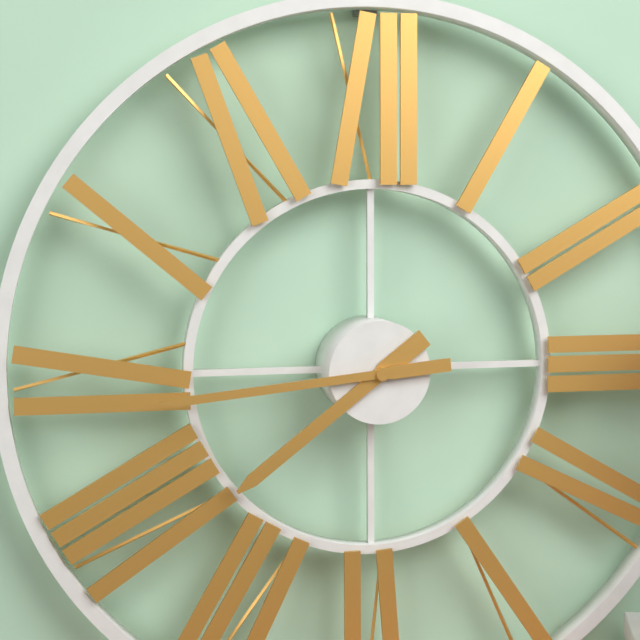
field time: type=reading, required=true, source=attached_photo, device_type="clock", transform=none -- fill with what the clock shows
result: 7:44
